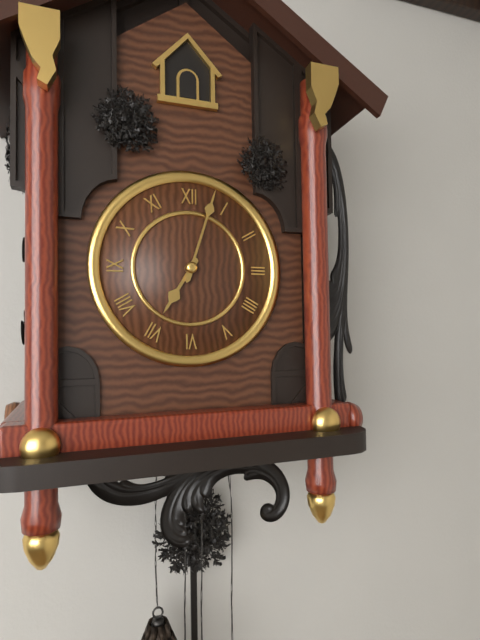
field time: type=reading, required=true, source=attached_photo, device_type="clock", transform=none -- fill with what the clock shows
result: 7:03
